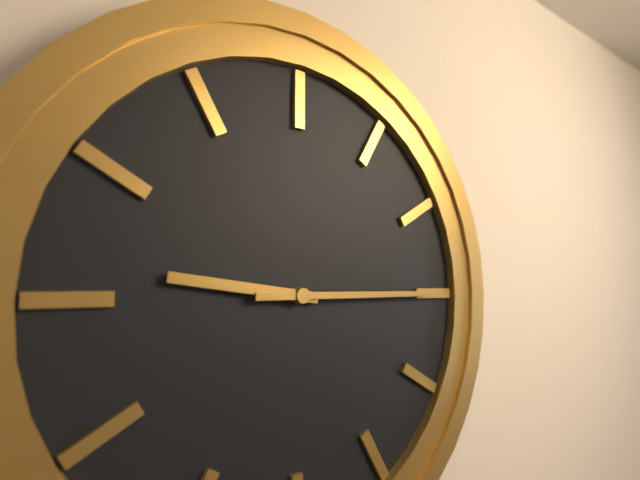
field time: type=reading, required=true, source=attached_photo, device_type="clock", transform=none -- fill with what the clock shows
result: 9:15
